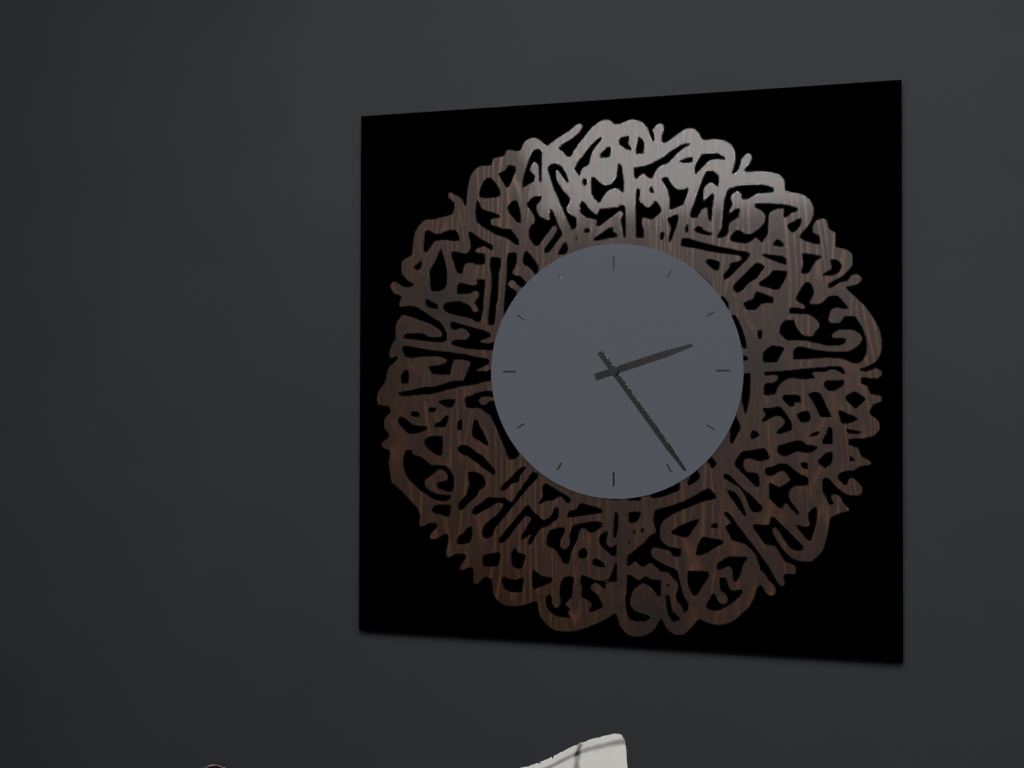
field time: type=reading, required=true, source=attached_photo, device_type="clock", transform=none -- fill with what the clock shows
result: 2:24
